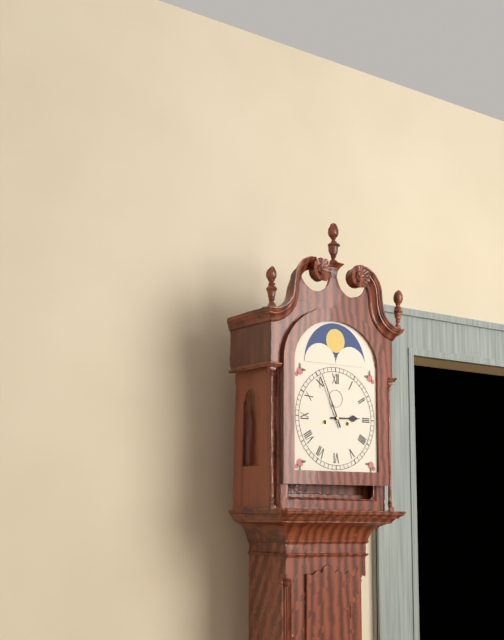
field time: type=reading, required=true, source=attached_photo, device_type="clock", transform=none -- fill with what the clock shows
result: 2:56
